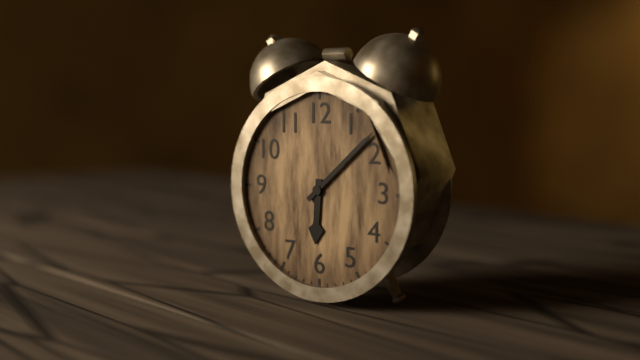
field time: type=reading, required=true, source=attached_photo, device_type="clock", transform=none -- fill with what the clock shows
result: 6:08
